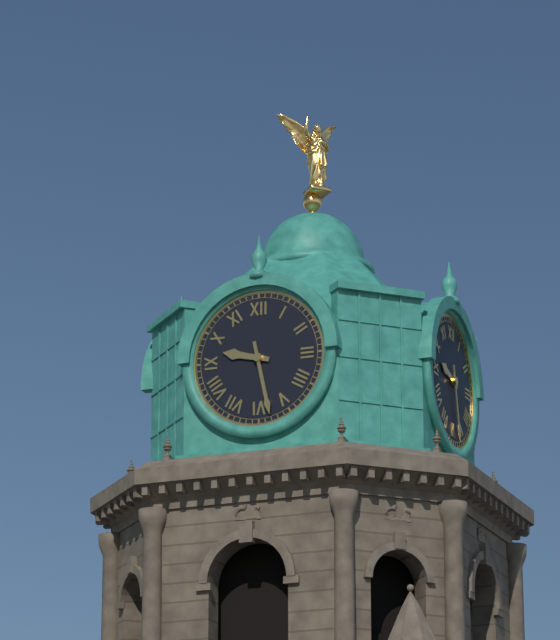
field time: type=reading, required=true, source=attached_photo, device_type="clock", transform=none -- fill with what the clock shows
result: 9:28
